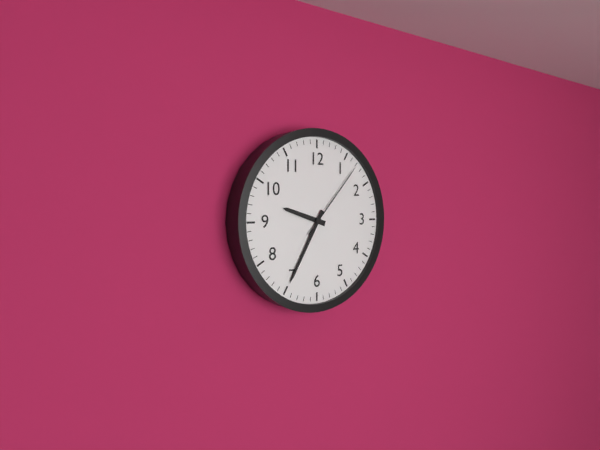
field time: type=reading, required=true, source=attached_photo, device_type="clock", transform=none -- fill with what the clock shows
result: 9:35:07
